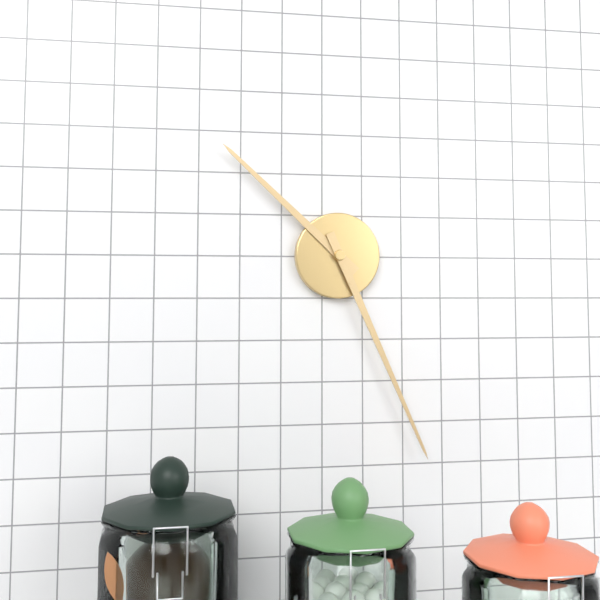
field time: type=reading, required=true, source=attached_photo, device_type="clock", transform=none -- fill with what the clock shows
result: 10:26
